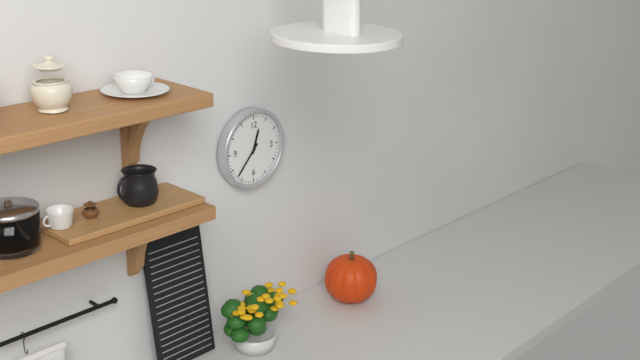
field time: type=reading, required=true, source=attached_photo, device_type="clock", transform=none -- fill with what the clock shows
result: 12:37
